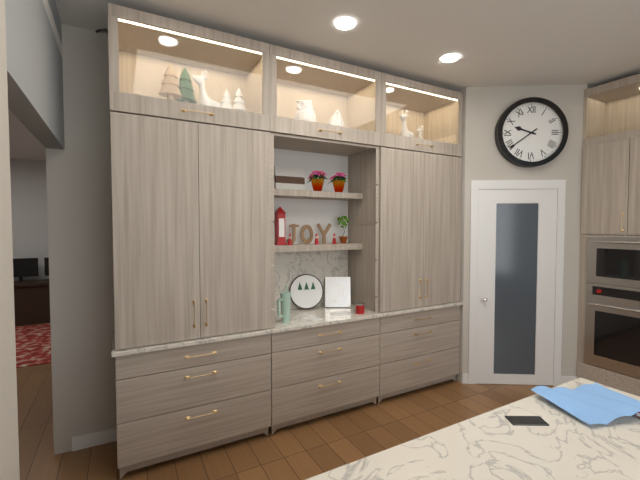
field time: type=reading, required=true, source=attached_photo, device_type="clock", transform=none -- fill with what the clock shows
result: 9:39
